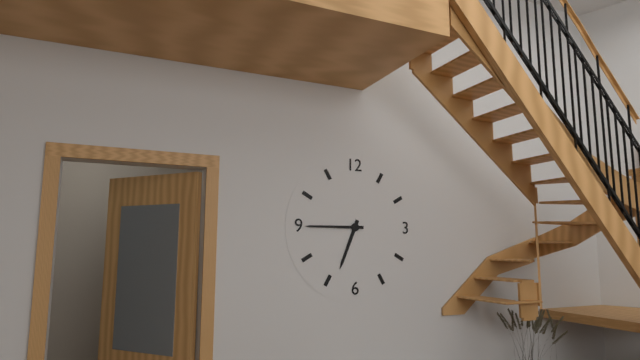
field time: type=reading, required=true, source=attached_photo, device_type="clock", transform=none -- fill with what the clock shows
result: 6:45
